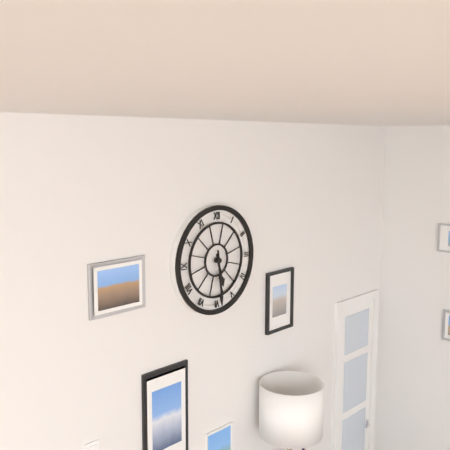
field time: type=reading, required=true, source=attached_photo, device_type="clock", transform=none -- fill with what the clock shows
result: 5:29
